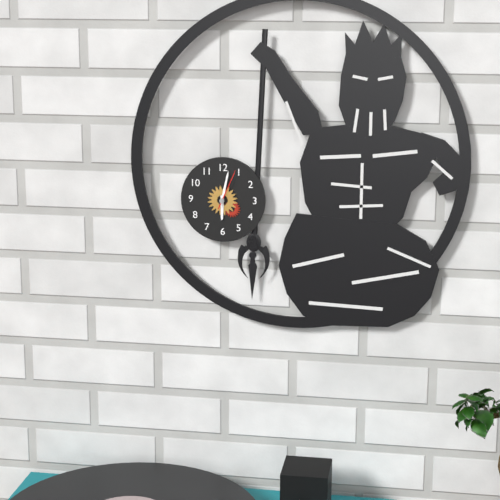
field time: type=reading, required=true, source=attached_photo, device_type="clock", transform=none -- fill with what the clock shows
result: 6:02
